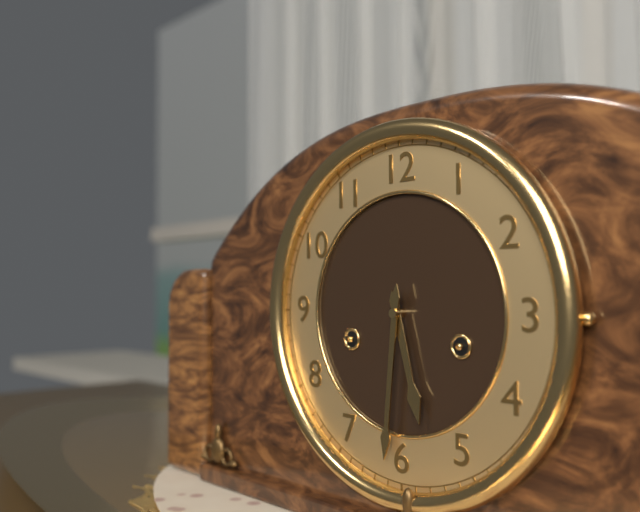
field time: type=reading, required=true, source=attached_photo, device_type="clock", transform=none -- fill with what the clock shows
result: 5:31
